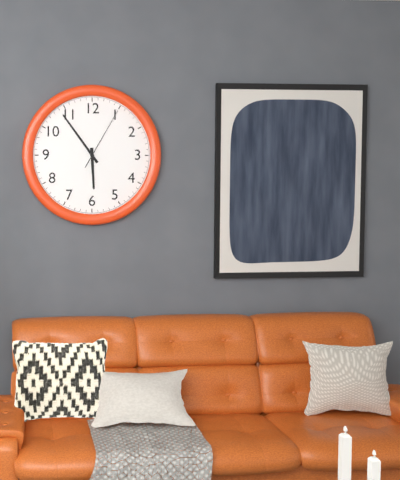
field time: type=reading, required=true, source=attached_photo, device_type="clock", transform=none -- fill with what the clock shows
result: 5:54:05
